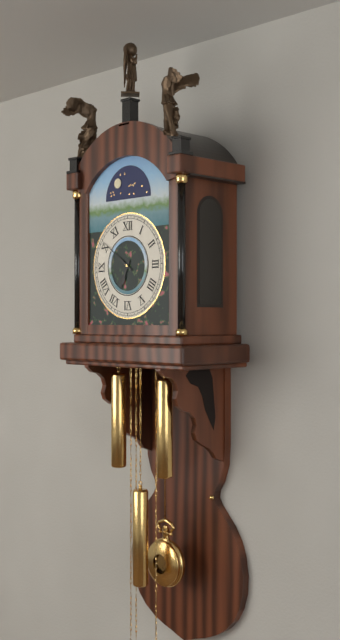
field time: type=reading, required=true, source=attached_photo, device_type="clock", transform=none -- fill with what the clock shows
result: 6:51
